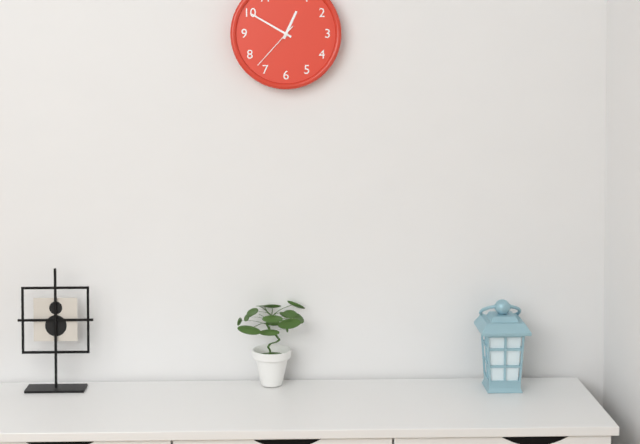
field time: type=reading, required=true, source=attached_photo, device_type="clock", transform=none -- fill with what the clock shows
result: 12:50:37
